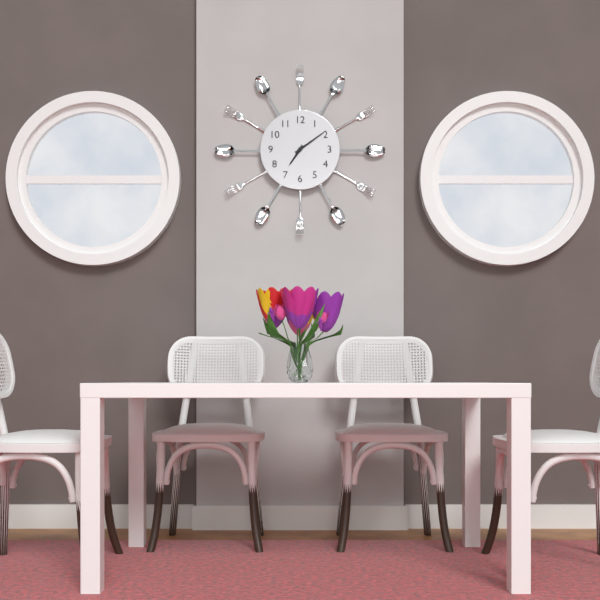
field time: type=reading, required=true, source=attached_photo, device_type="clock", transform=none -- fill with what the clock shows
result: 7:09
